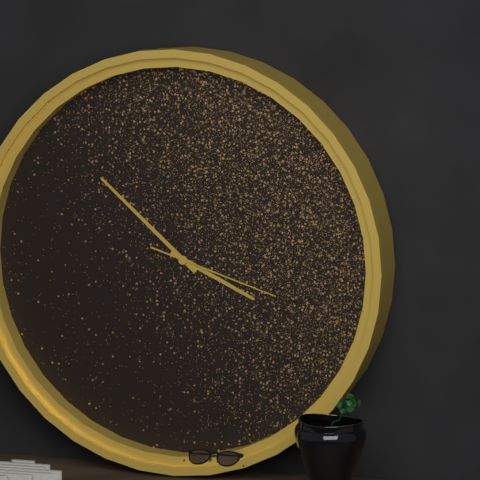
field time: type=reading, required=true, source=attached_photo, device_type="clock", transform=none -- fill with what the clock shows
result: 3:52:18
